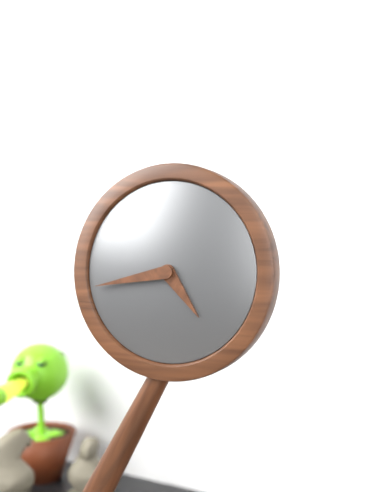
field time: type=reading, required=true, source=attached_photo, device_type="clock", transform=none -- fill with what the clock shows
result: 4:43
